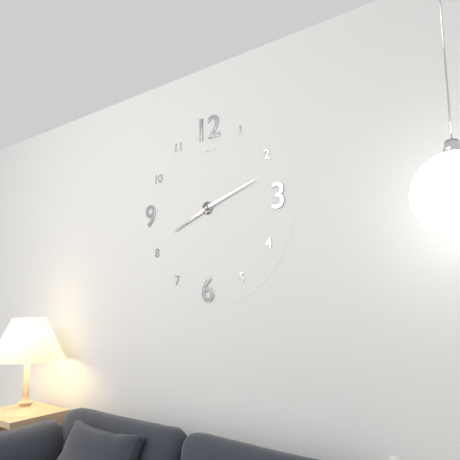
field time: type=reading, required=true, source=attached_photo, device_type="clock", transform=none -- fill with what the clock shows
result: 8:12
